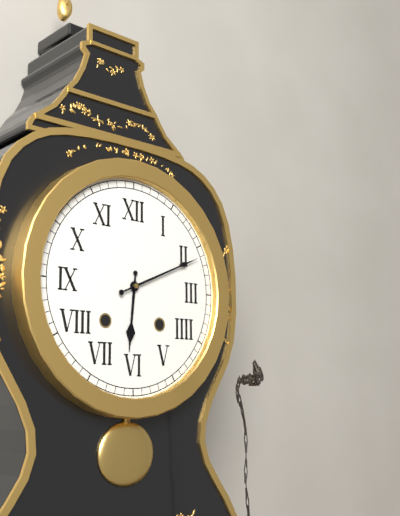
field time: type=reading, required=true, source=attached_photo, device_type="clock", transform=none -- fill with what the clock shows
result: 6:11
